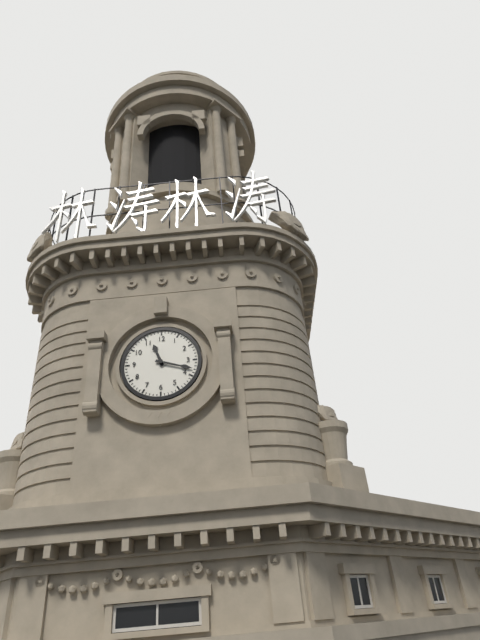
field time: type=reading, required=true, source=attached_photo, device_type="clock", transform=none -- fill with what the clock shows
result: 11:18
